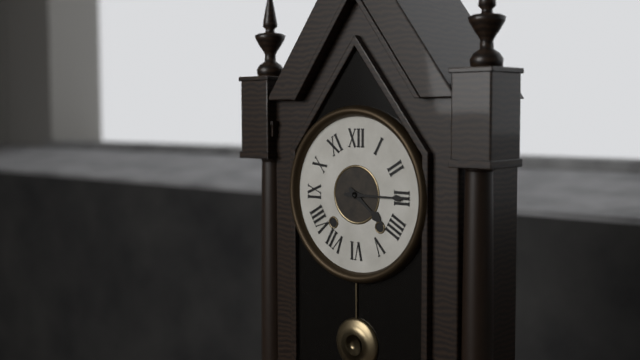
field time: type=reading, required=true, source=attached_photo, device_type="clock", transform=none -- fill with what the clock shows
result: 4:15
